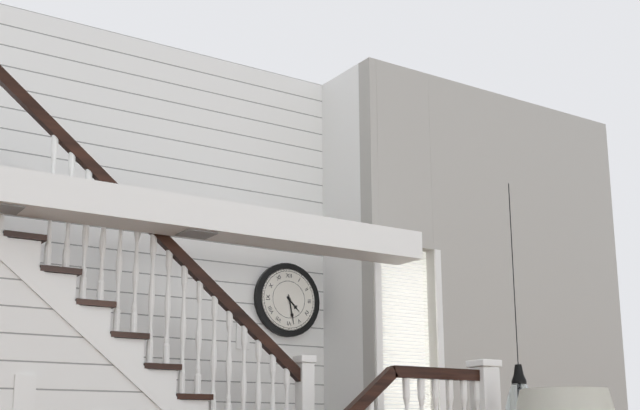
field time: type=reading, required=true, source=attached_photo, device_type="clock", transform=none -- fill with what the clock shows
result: 4:28
